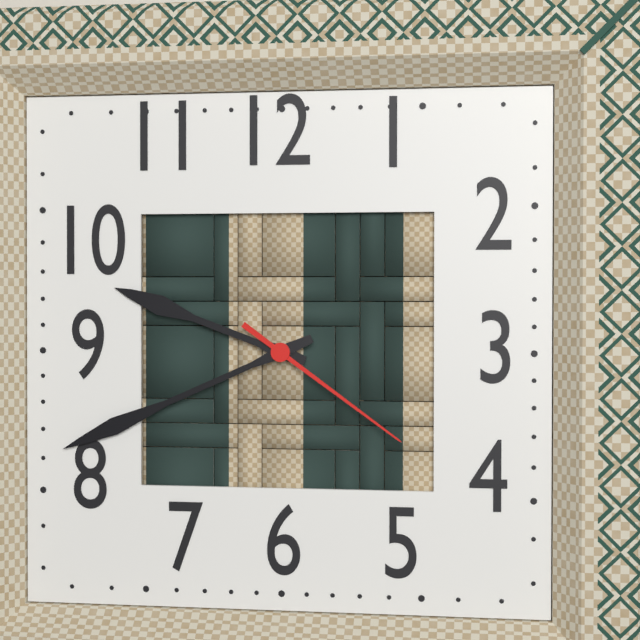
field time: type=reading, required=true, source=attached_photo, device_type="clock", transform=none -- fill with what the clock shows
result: 9:41:21
